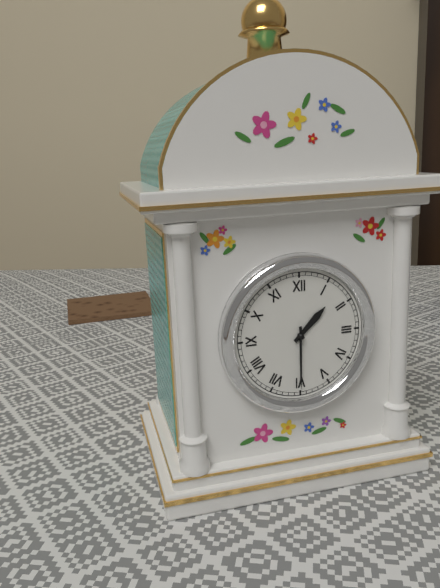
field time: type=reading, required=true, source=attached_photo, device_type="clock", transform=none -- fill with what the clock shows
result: 1:30
